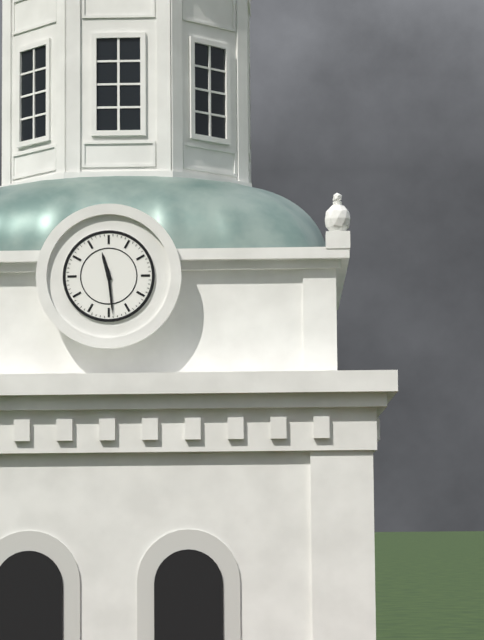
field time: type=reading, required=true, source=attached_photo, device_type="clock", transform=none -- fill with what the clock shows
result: 11:29
